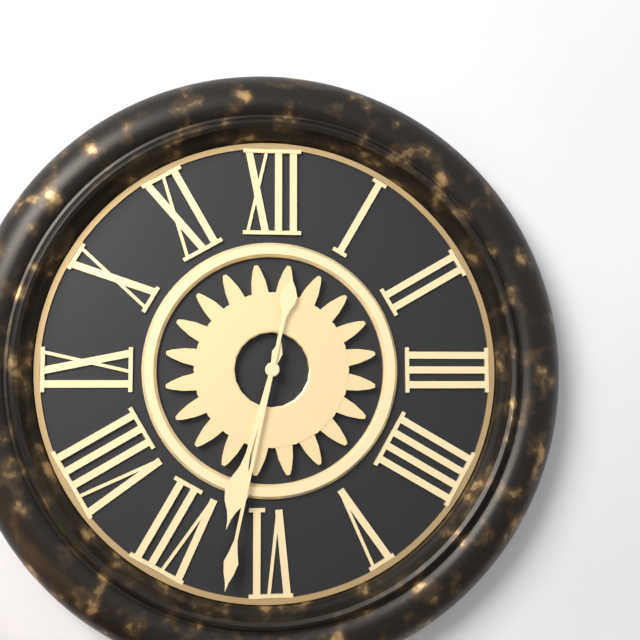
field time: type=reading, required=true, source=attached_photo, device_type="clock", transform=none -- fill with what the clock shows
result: 6:32
